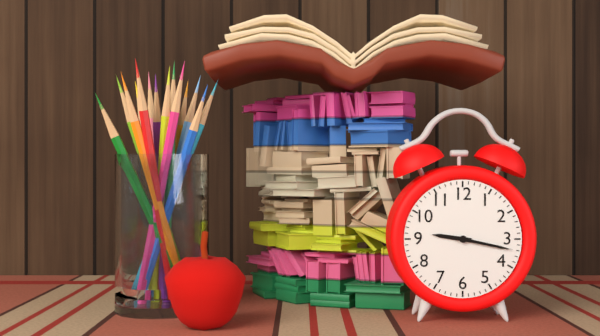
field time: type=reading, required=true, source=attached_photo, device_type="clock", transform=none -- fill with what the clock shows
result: 9:17
